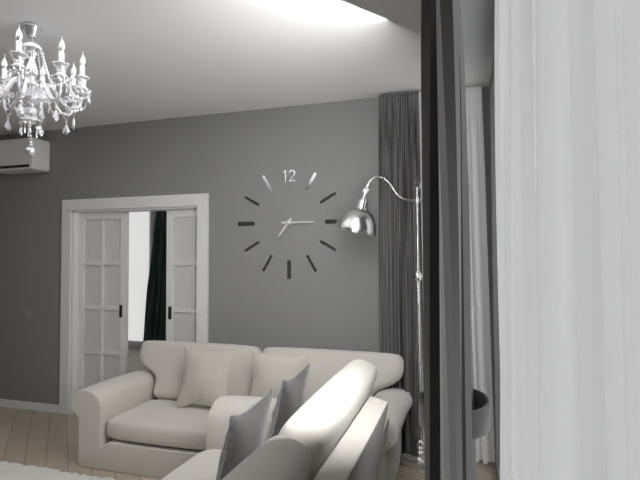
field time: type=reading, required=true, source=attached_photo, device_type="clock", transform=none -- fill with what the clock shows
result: 7:15
